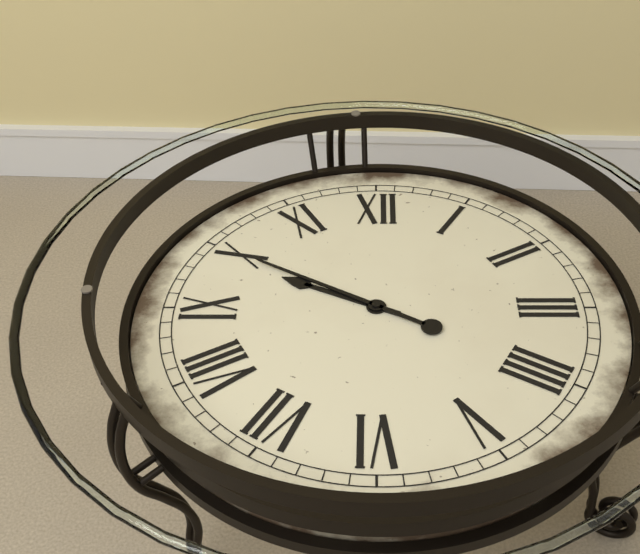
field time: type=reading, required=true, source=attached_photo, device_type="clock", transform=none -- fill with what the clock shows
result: 9:50
